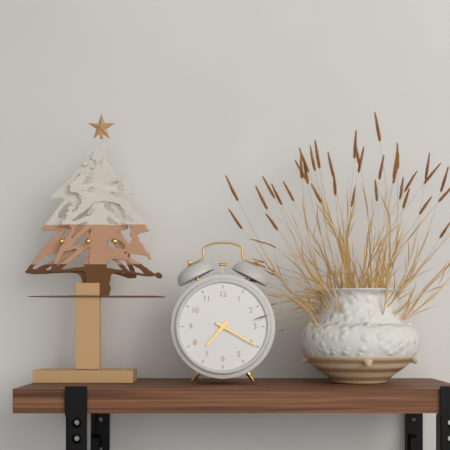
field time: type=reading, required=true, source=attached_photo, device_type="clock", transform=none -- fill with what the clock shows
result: 7:20
